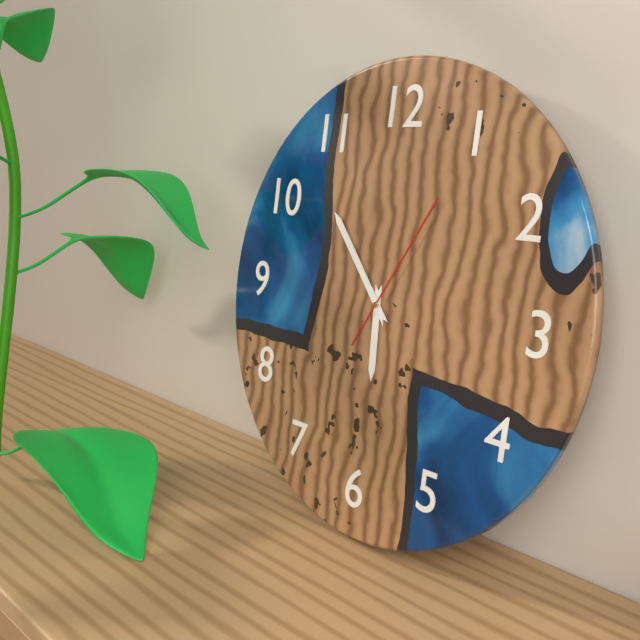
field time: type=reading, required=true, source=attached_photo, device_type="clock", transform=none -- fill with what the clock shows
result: 5:53:05
